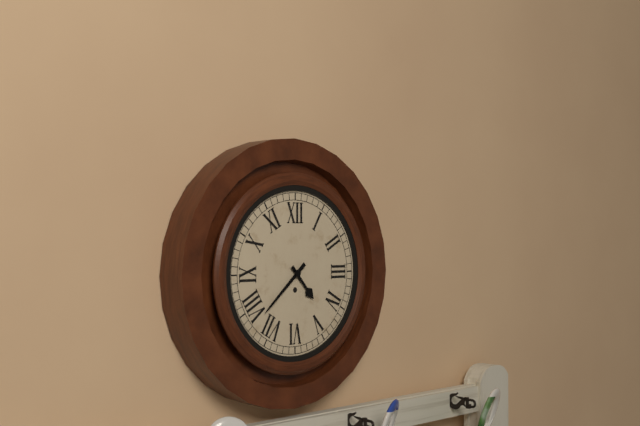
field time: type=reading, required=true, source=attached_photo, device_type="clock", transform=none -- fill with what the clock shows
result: 4:38
